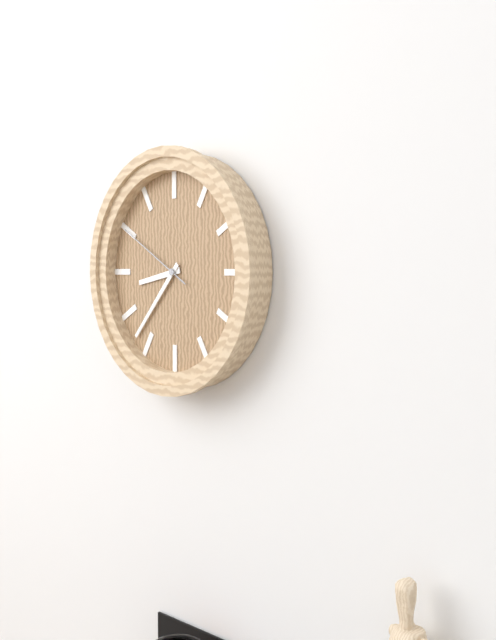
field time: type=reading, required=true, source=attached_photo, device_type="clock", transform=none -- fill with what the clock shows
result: 8:37:50
